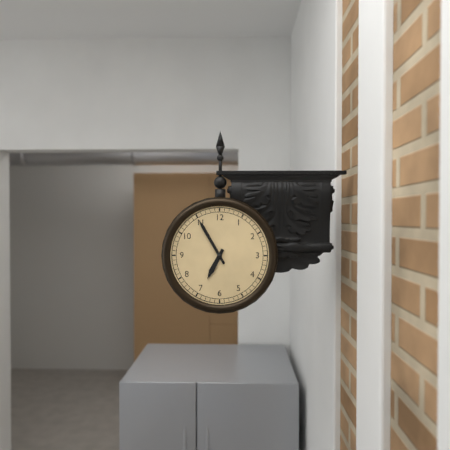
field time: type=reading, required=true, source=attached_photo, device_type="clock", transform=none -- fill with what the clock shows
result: 6:55
